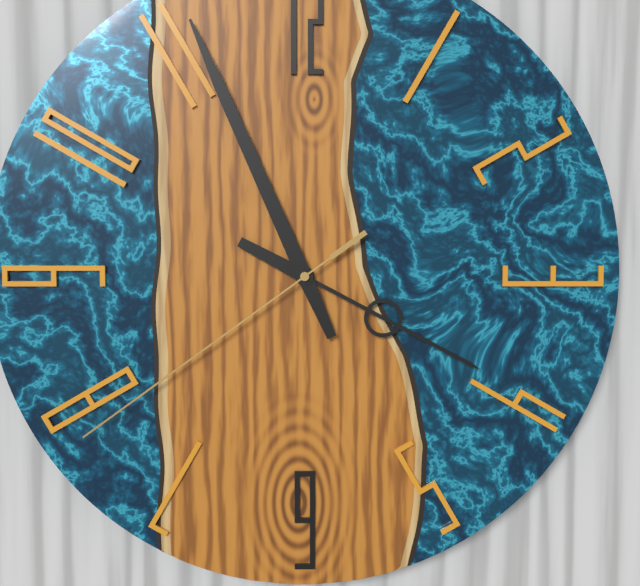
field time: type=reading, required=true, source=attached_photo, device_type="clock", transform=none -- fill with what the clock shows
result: 3:56:39
